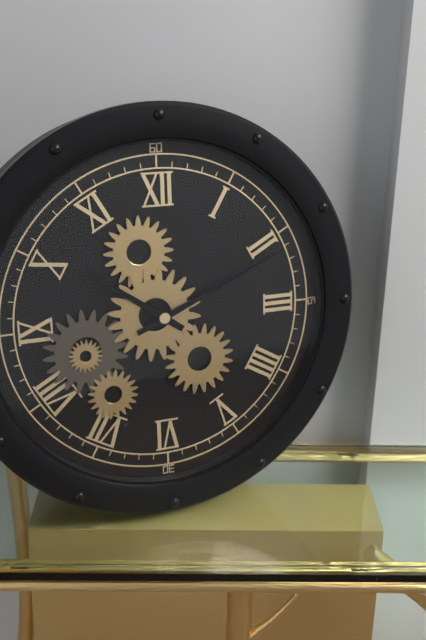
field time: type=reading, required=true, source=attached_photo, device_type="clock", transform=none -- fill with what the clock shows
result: 10:11
